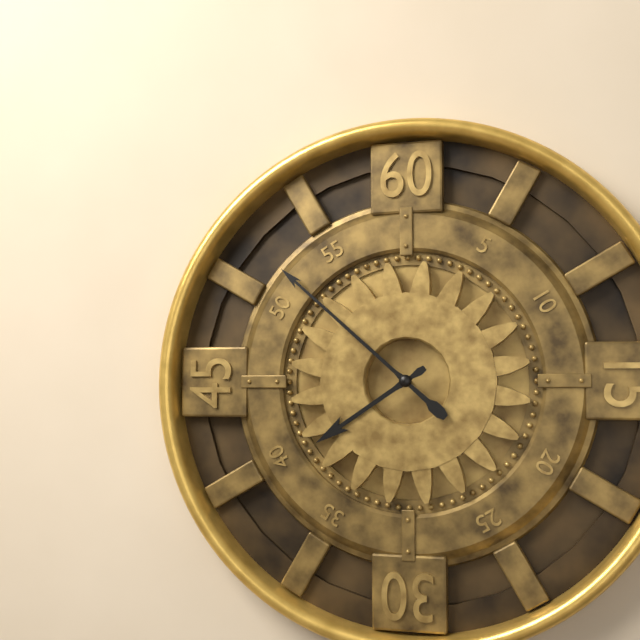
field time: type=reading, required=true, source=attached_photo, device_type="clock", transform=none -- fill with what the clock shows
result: 7:52
